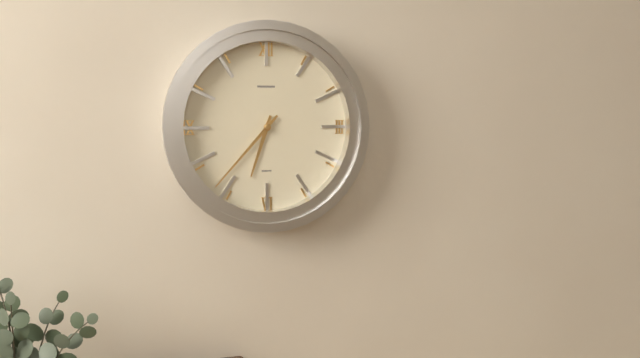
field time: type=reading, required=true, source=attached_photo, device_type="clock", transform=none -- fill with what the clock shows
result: 6:37
